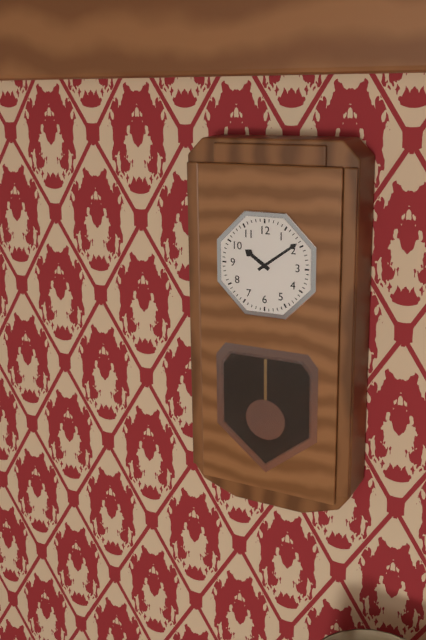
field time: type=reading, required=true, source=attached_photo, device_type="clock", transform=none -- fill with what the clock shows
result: 10:09
